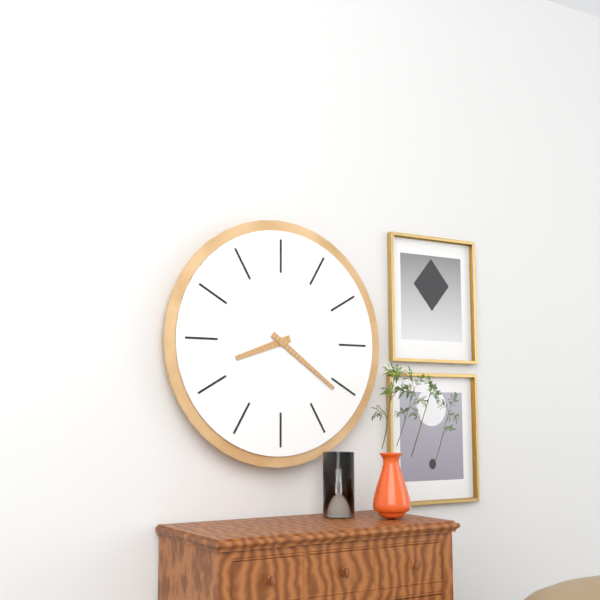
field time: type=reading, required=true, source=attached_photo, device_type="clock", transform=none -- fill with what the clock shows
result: 8:21
